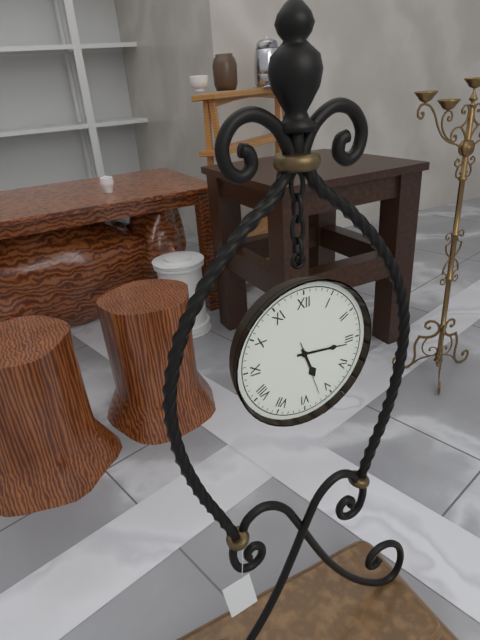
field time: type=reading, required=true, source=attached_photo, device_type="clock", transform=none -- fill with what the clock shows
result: 5:16:27
